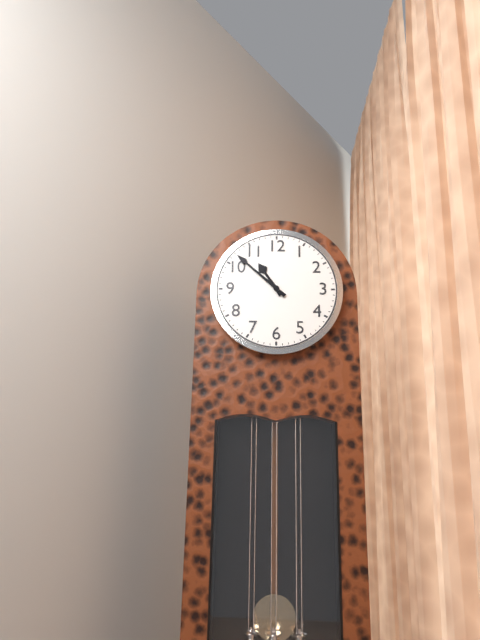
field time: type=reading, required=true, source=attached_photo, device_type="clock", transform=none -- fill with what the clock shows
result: 10:52
